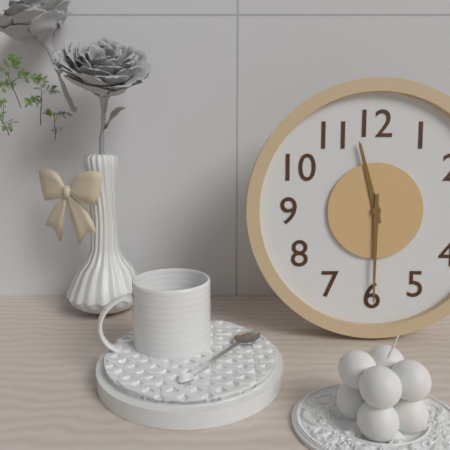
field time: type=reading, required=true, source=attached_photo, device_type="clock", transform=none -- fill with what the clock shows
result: 11:30
